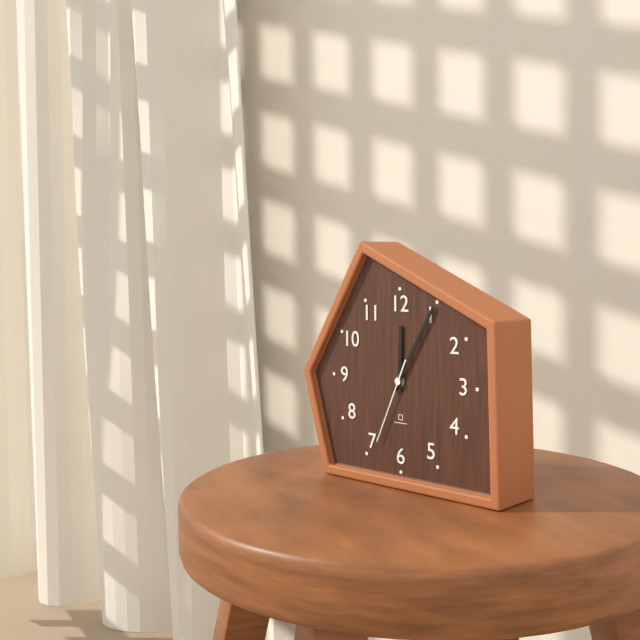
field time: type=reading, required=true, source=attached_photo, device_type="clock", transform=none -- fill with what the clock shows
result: 12:05:34
